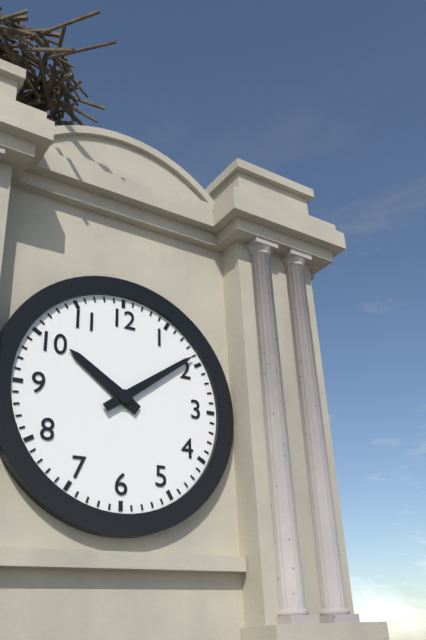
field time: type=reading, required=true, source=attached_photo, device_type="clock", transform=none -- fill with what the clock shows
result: 10:09
